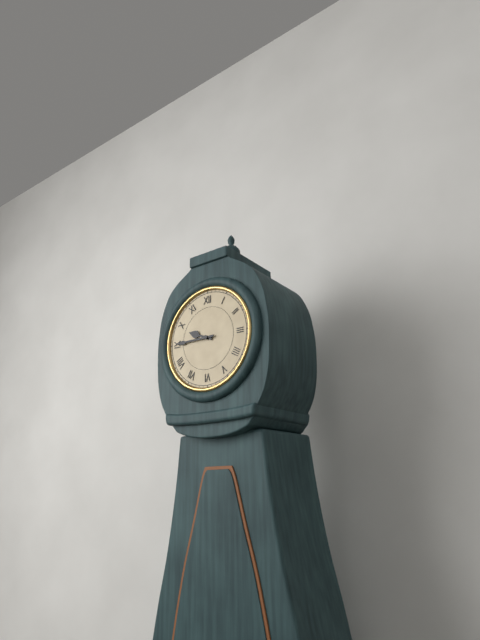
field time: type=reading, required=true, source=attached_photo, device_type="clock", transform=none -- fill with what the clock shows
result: 9:45
